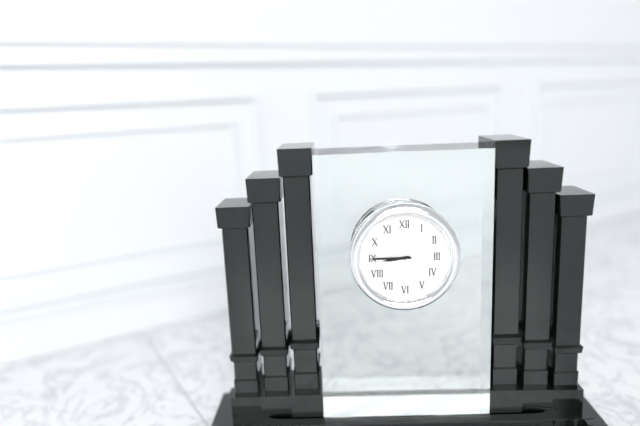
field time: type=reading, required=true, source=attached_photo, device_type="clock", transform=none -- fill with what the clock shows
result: 8:45
